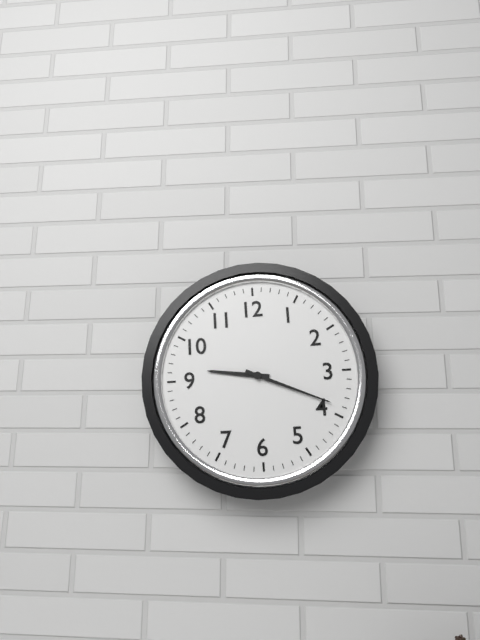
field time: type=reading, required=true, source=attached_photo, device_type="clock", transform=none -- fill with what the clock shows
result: 9:19
